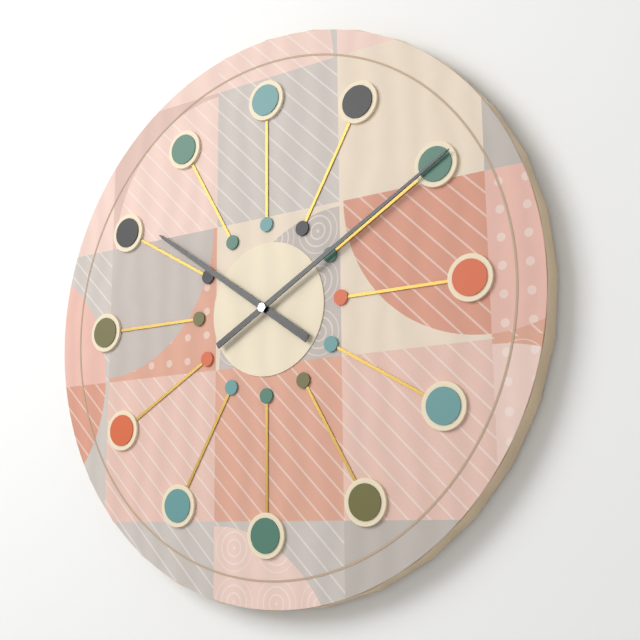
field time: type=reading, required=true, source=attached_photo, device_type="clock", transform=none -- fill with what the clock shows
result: 10:10
